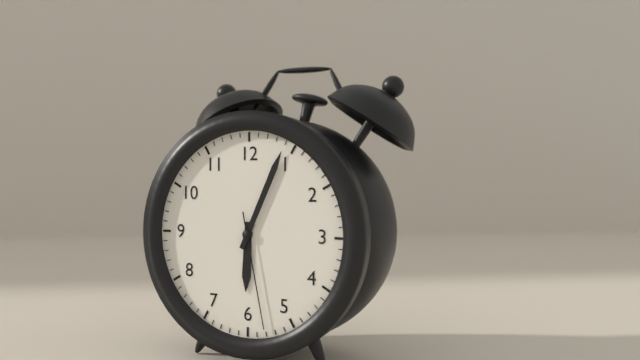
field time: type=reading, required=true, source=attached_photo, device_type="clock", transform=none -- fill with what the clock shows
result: 6:04:28
